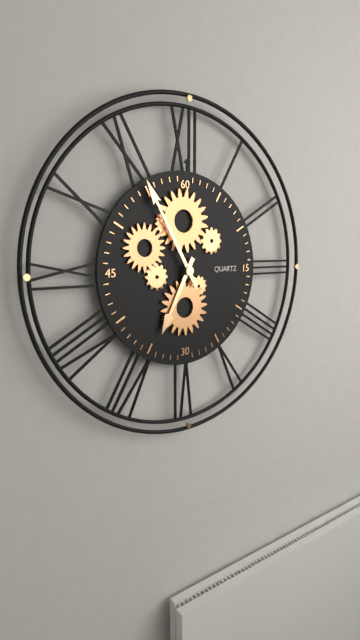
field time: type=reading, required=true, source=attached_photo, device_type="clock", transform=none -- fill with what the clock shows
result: 6:55
